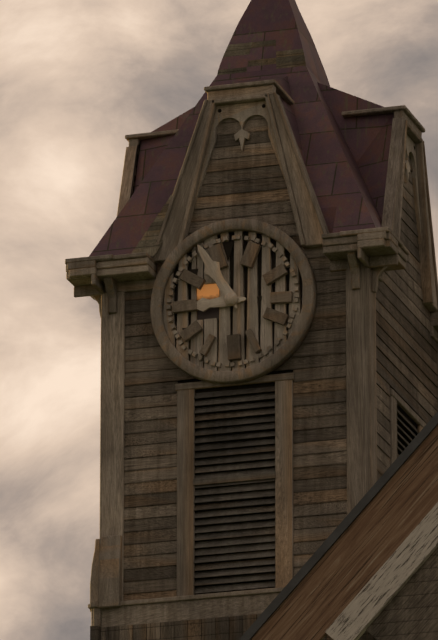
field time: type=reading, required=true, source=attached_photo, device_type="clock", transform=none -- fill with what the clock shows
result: 8:55
